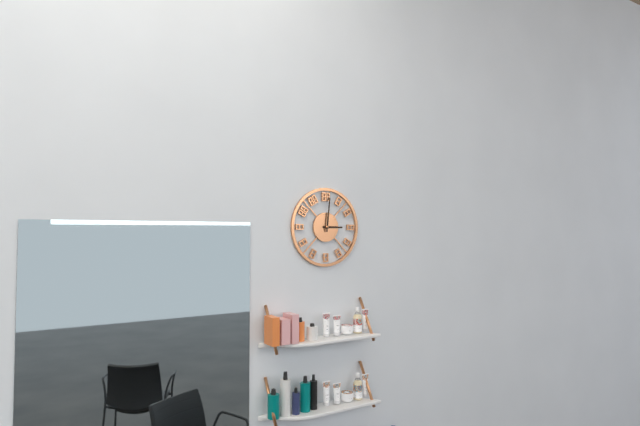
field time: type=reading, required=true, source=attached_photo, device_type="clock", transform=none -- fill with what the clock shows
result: 3:01
